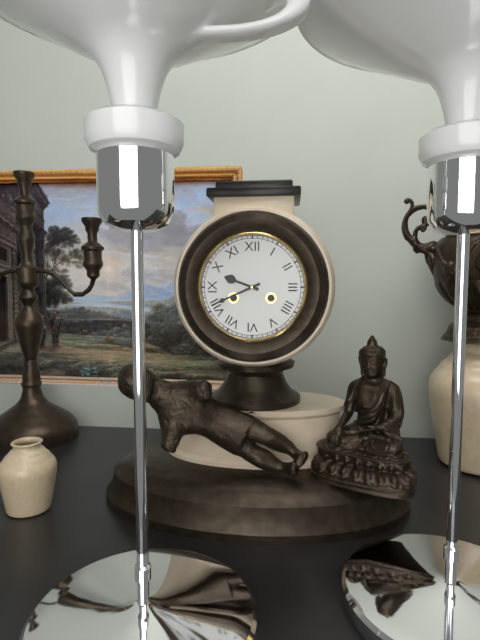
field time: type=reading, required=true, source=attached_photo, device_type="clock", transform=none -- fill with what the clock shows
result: 9:41
